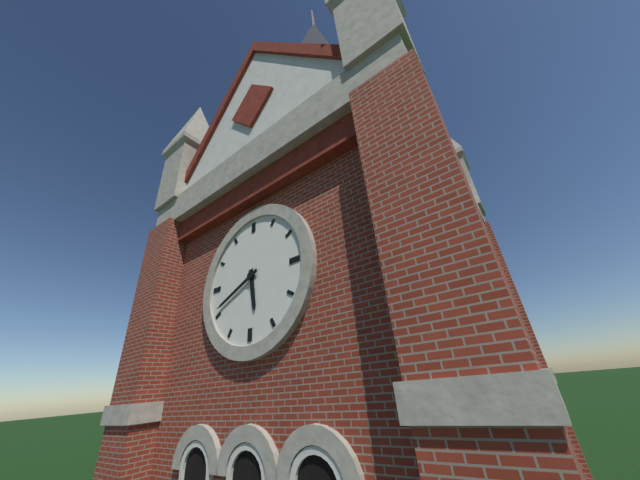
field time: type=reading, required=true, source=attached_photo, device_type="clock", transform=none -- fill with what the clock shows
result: 5:41
